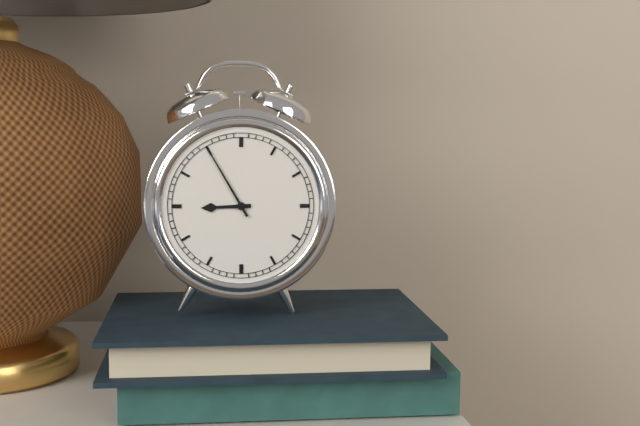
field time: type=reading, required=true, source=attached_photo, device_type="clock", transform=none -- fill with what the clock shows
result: 8:55
